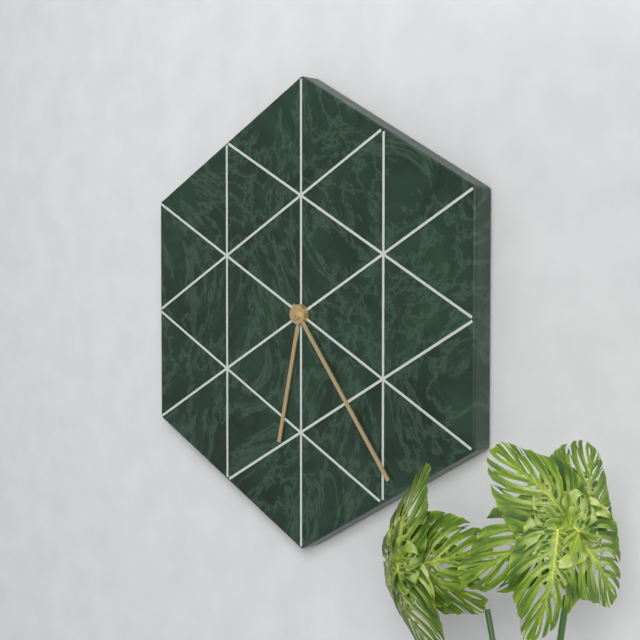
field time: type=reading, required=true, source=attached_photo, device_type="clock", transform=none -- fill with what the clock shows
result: 6:24
